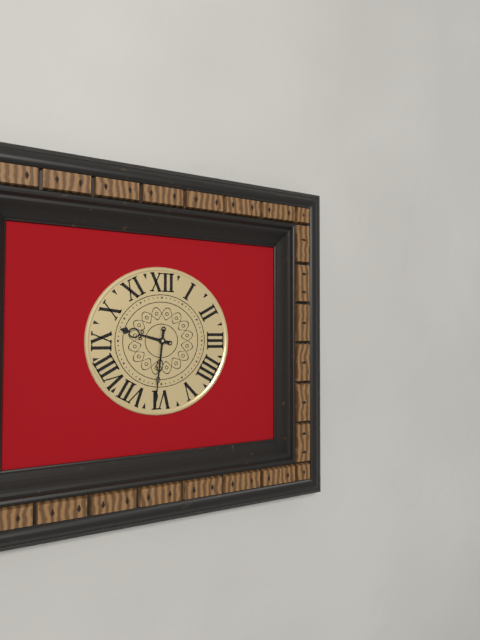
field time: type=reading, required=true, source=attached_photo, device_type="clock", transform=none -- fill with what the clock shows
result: 9:31
